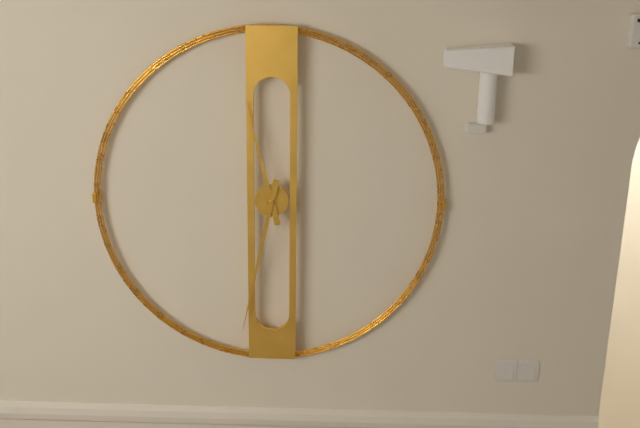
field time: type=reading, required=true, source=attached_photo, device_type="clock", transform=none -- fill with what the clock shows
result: 11:32
